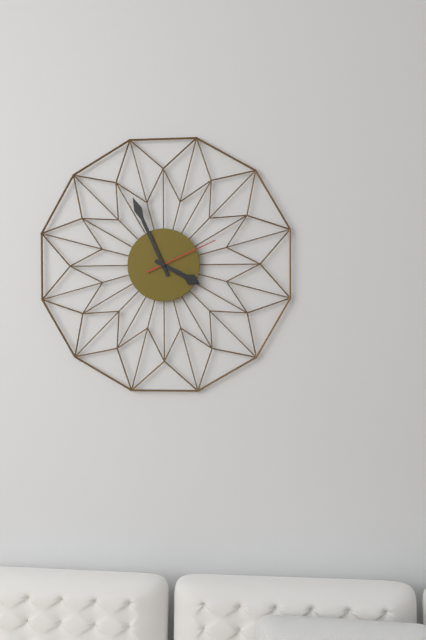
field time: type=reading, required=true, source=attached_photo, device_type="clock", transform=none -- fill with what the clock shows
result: 3:56:11
